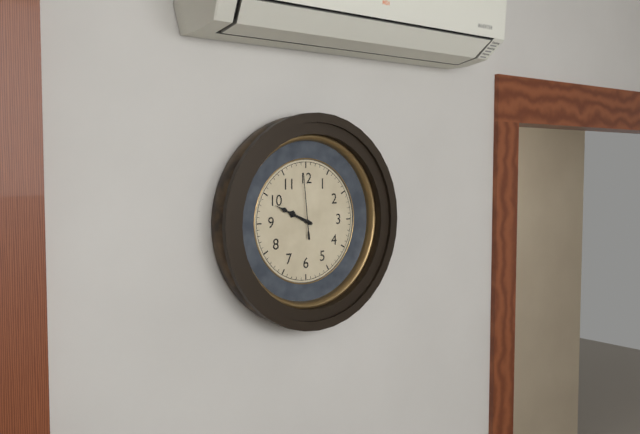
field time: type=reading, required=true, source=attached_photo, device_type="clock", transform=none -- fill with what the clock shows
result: 9:49:59
